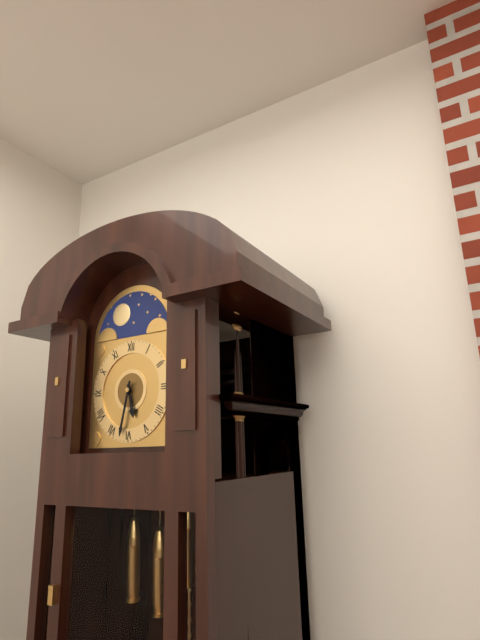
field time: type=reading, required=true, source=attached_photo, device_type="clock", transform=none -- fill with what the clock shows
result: 5:32
